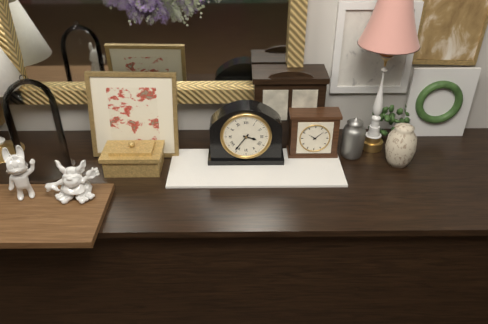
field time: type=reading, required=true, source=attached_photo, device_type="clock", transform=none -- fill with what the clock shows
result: 3:36
